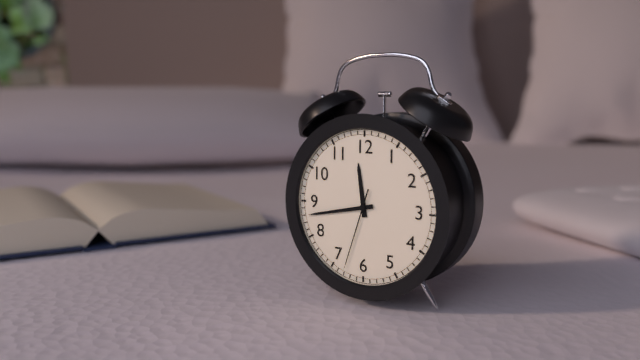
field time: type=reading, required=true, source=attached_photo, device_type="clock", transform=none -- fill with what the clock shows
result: 11:43:33
